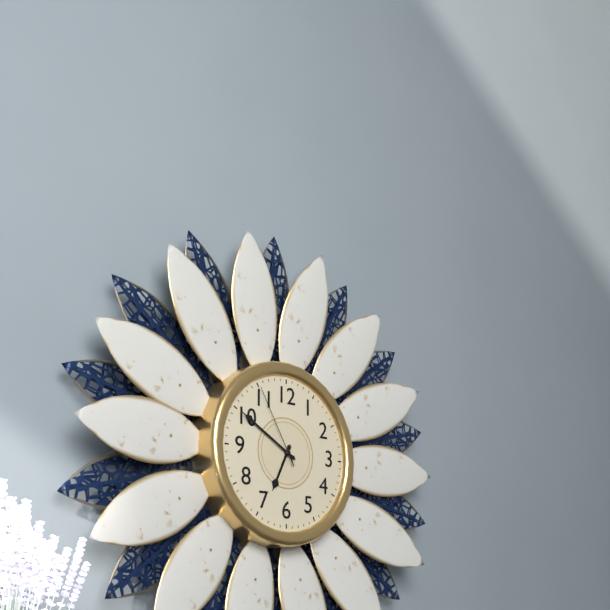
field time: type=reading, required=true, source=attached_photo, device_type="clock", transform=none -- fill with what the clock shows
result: 6:50:55
